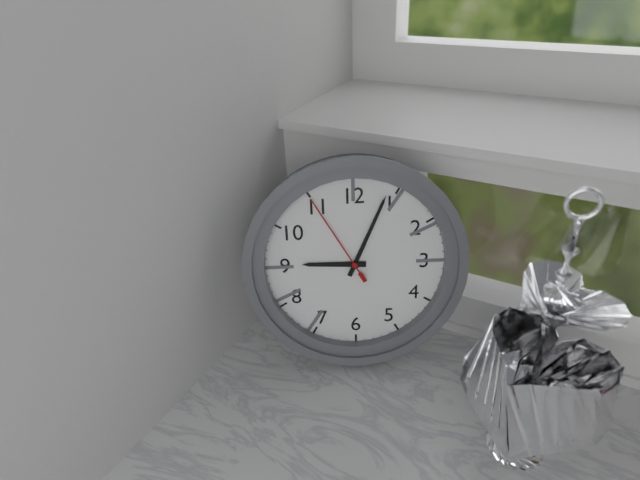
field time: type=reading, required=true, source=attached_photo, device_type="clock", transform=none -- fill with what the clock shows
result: 9:04:55
